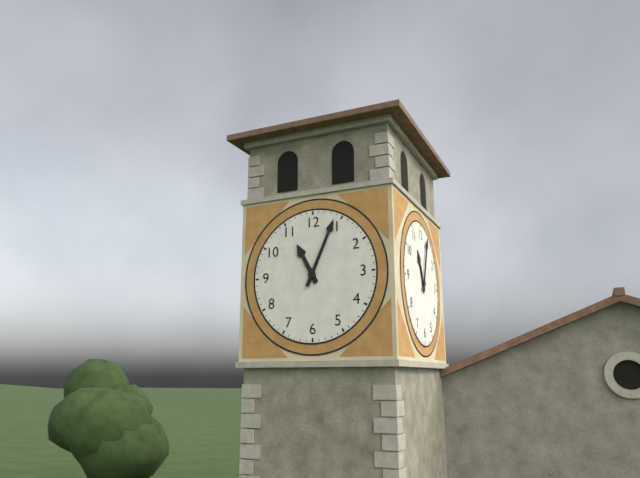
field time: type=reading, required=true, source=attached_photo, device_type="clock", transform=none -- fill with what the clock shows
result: 11:04
